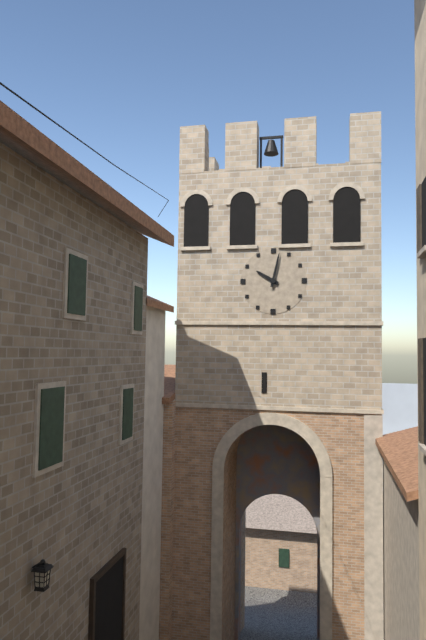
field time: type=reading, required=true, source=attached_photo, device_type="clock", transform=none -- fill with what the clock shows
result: 10:02
